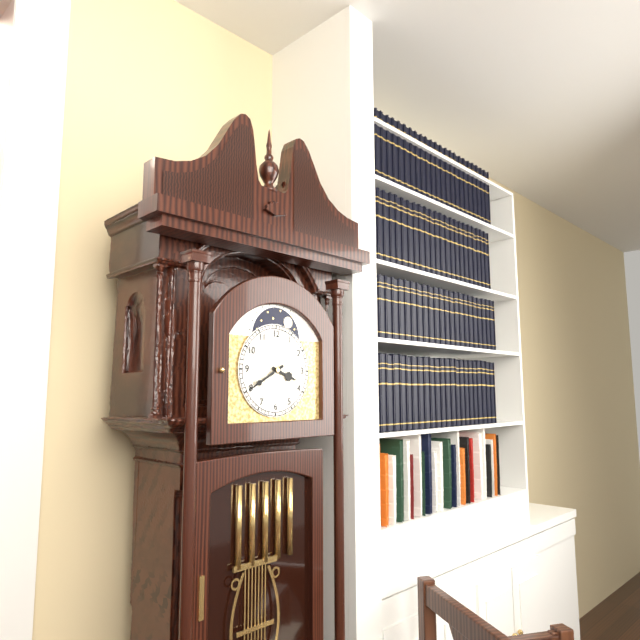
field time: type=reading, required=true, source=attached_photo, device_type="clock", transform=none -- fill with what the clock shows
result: 3:40
